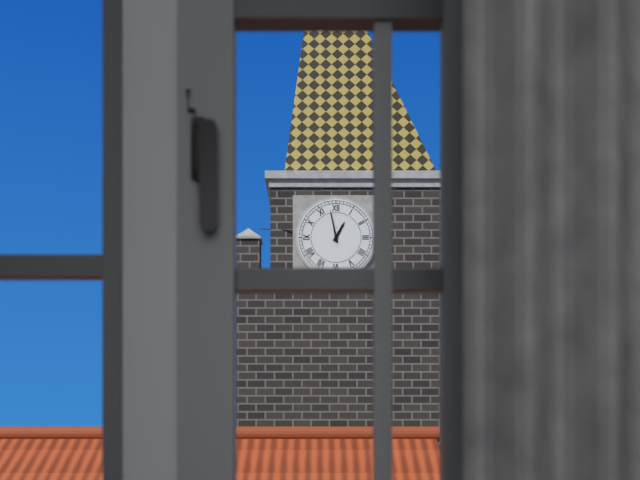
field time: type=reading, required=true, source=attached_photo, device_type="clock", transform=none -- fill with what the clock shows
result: 12:58
